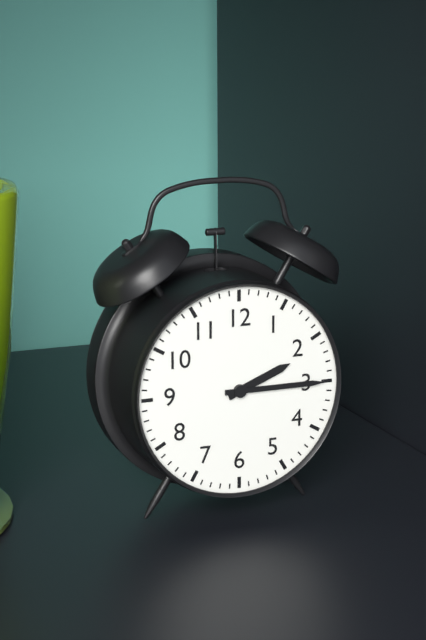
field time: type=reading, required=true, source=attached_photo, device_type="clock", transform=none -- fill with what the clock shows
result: 2:15
